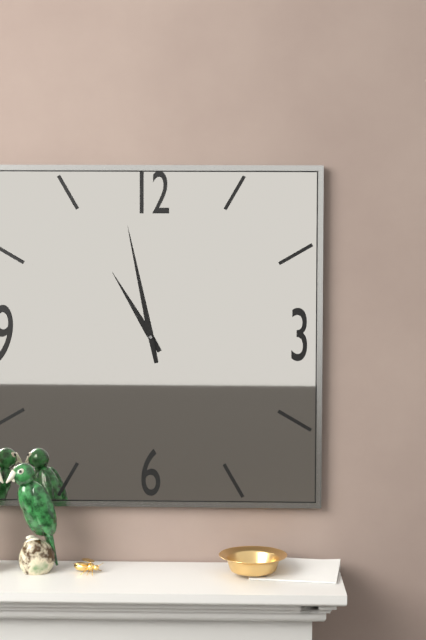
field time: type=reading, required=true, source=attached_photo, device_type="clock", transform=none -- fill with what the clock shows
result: 10:58
